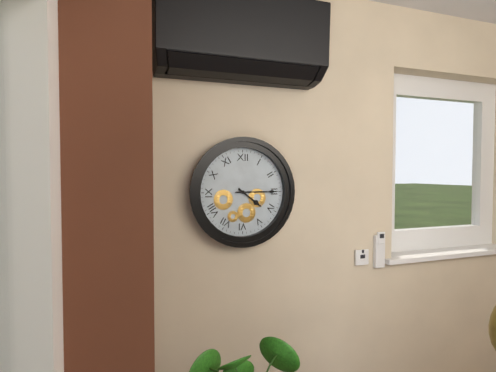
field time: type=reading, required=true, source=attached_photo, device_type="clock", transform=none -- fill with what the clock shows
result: 4:15
